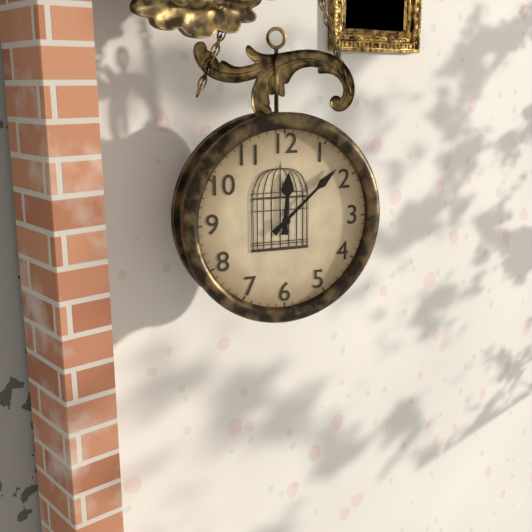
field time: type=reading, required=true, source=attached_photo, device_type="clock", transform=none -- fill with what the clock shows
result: 12:08
